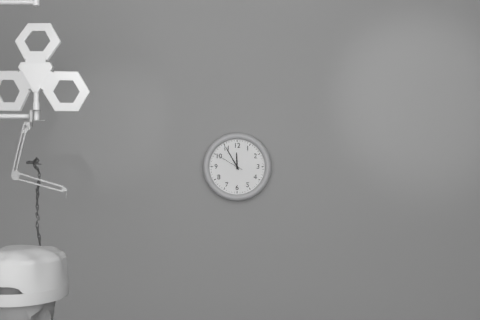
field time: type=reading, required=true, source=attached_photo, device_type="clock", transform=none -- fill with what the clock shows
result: 11:55
